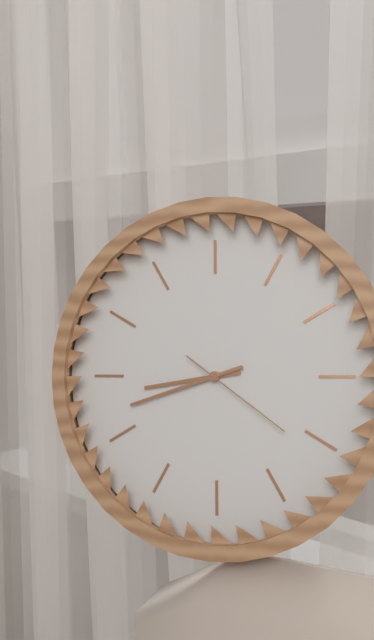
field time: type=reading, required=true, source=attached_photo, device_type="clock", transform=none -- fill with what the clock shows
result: 8:42:21
